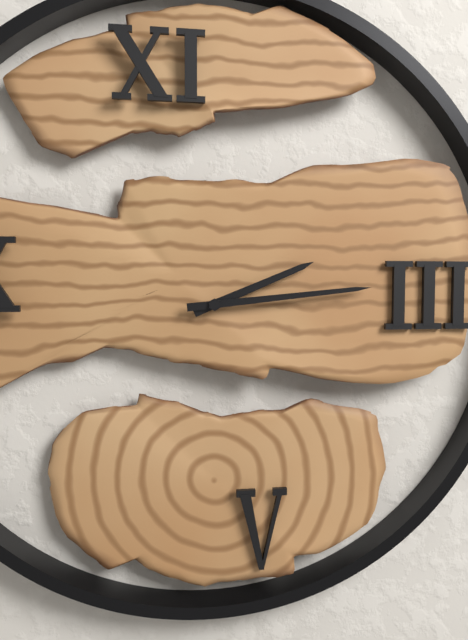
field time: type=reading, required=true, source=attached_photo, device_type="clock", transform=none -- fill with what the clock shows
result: 2:14
